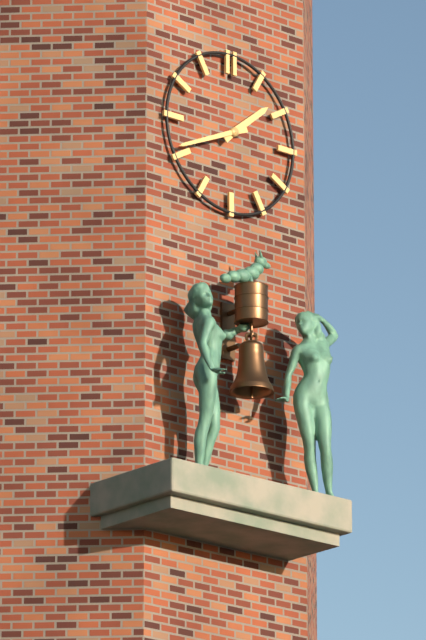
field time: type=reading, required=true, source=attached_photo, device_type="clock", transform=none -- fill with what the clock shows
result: 1:41
